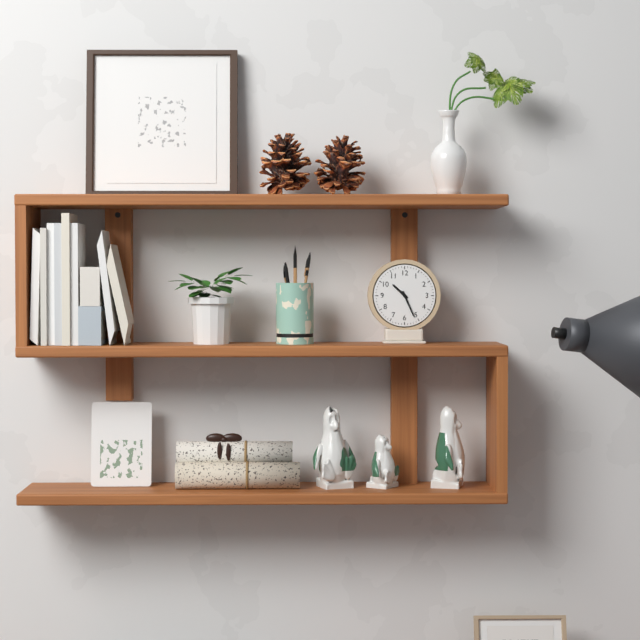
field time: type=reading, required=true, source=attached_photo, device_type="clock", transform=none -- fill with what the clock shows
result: 10:26
